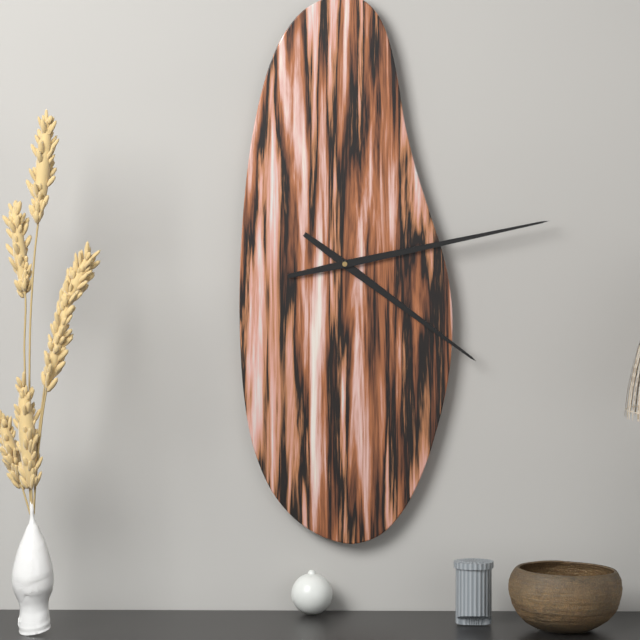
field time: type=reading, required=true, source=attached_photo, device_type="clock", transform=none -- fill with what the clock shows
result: 4:13
